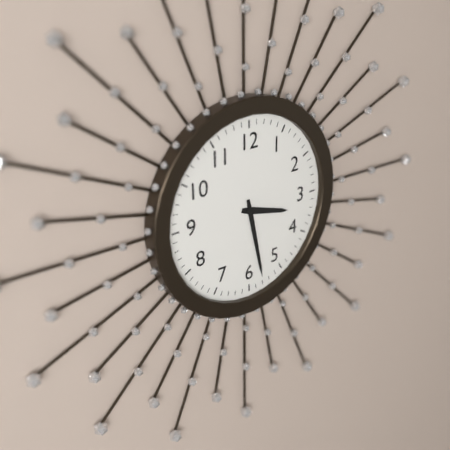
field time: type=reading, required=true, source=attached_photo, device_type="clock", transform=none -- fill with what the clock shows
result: 3:28
